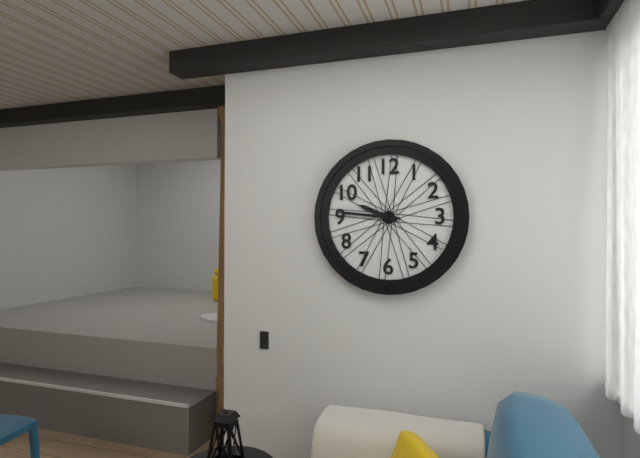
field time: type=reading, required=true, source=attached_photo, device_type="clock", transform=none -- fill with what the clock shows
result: 9:46
